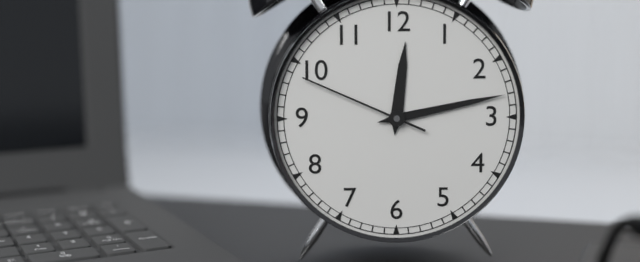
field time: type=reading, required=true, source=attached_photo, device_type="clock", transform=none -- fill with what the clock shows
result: 12:13:49
